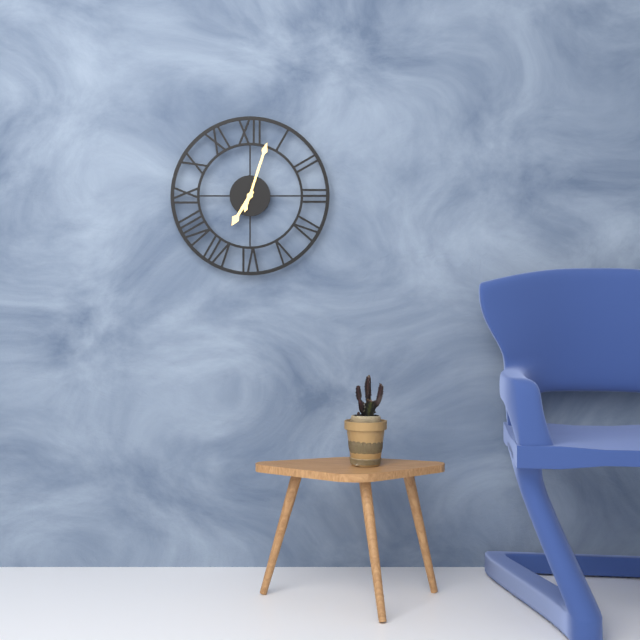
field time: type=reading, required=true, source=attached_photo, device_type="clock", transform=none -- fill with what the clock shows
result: 7:03
